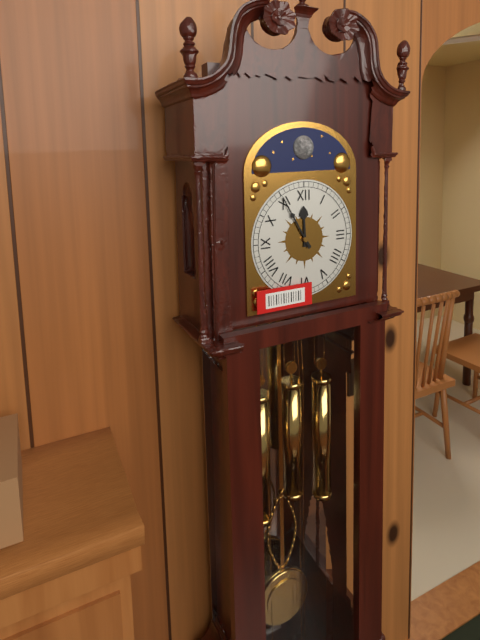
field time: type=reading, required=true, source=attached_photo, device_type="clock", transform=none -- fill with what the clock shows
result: 11:55
